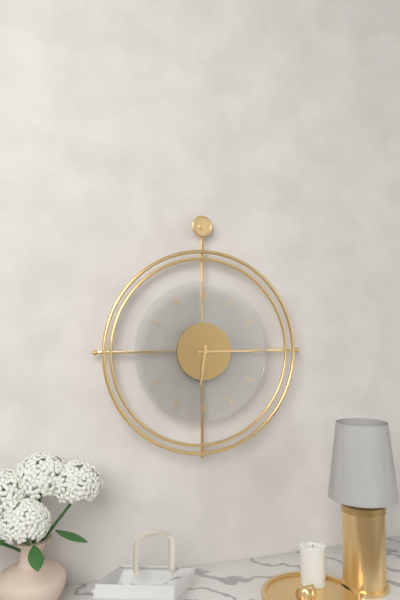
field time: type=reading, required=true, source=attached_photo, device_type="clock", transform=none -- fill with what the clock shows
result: 6:15
